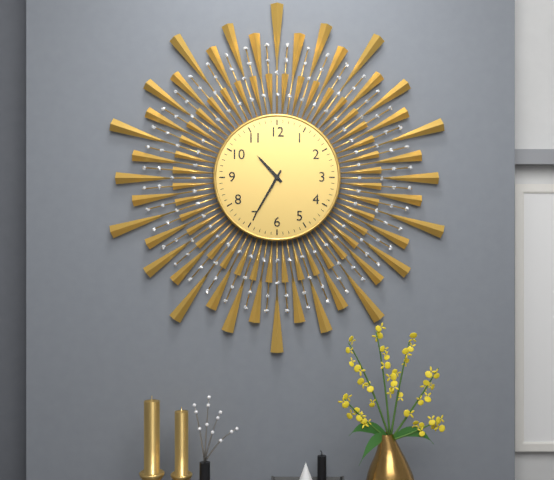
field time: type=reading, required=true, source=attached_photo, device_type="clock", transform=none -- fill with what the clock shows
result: 10:35
